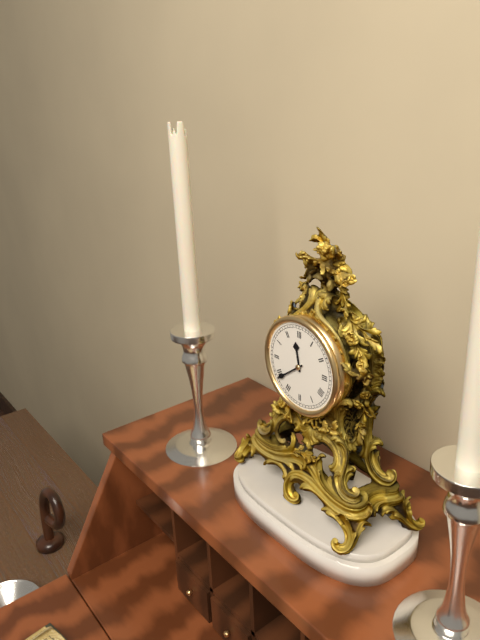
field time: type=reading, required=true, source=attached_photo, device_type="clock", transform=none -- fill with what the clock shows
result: 11:39
